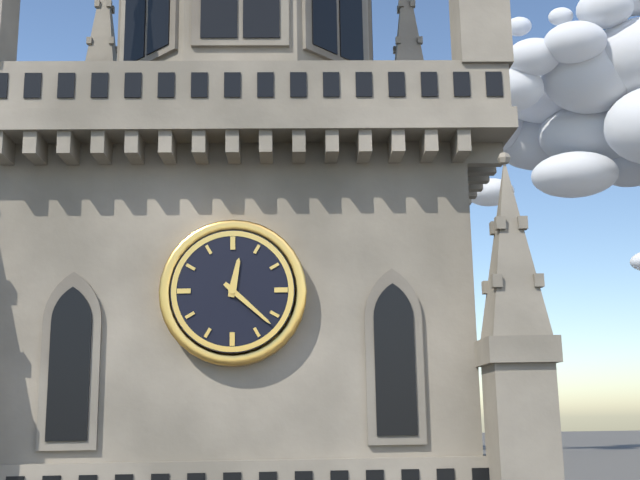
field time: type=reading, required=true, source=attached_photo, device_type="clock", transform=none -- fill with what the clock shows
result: 12:22
